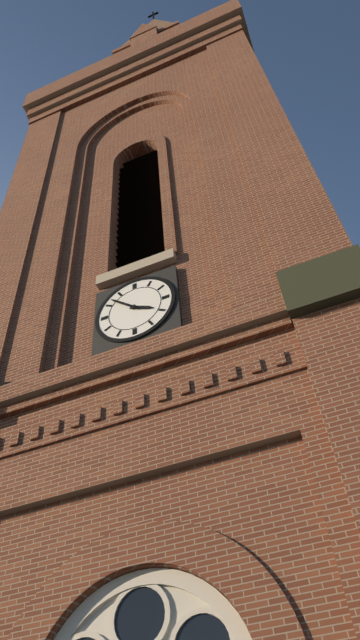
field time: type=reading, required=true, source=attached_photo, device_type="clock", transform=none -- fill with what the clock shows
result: 3:52
